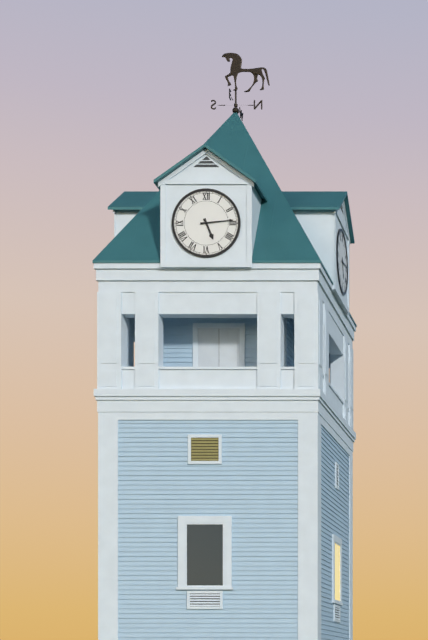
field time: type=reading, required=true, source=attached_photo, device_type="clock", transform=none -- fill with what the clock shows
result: 5:14
